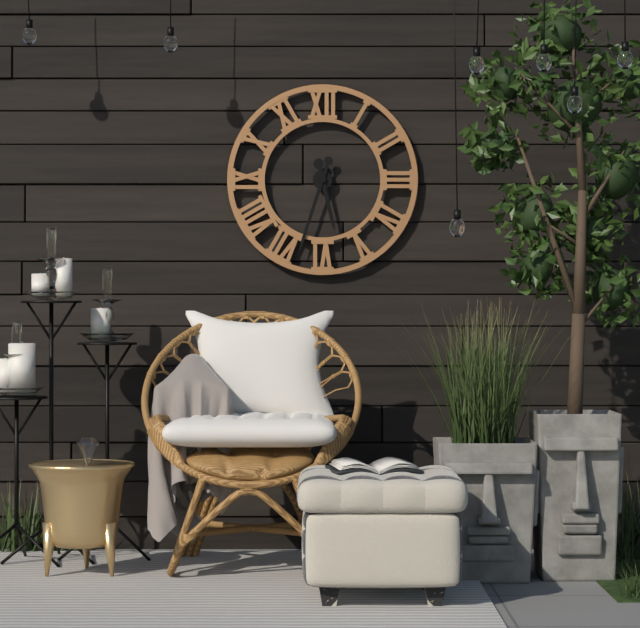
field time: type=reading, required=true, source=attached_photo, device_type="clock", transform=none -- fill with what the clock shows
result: 5:33
